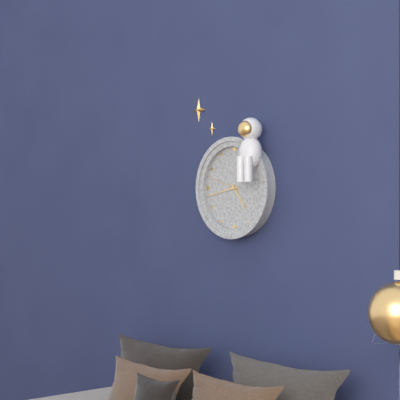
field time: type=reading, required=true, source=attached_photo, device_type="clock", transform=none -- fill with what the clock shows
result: 4:43
